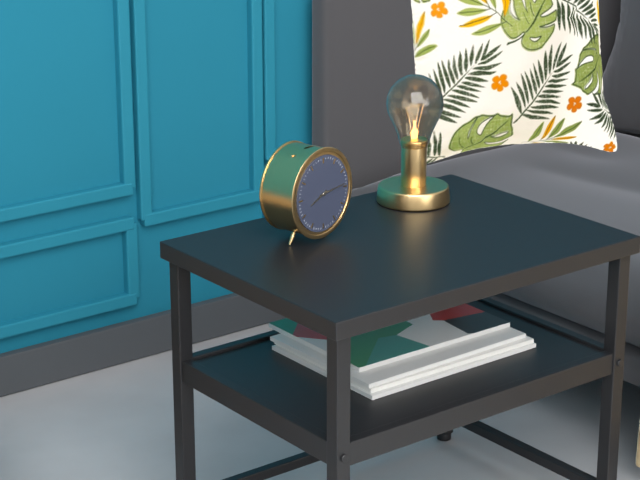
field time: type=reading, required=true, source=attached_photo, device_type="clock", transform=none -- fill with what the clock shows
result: 8:14
